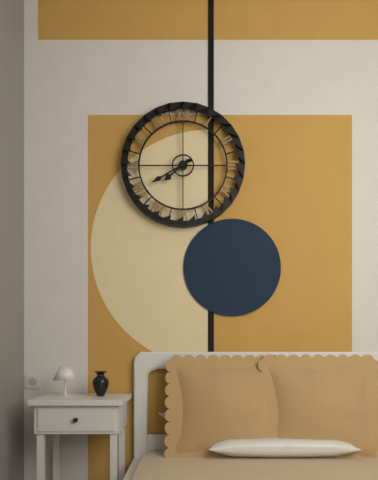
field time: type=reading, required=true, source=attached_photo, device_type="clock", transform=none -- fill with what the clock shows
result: 7:40
